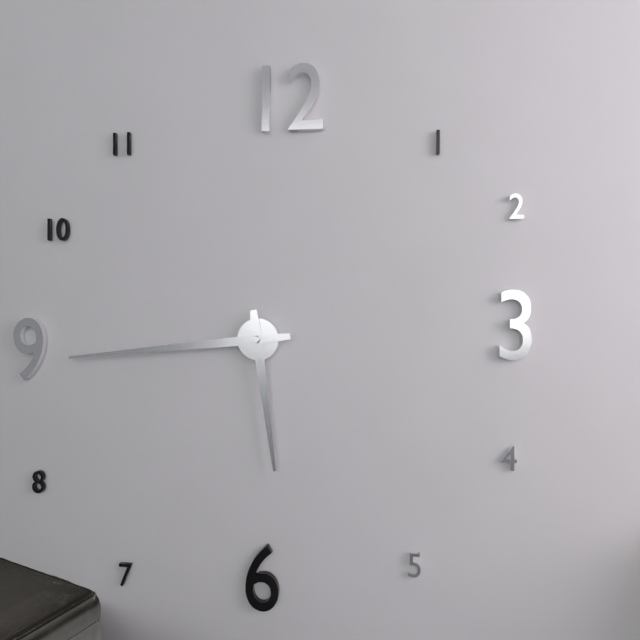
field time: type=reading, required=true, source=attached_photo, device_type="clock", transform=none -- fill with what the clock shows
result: 5:44
